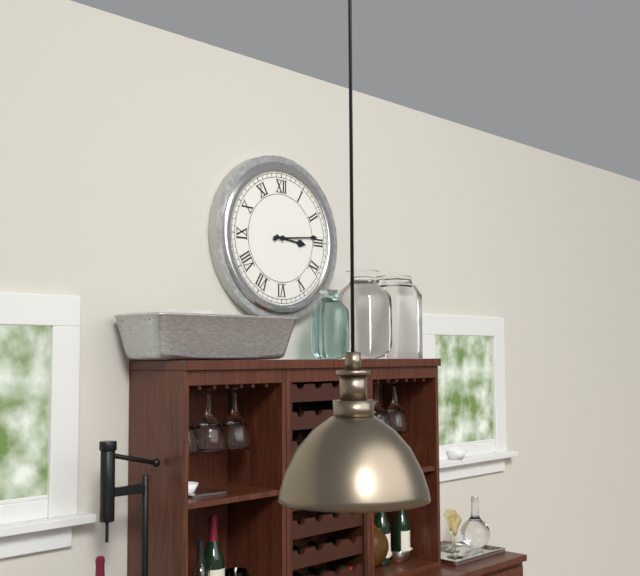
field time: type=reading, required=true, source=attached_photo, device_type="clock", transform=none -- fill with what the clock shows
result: 3:14
